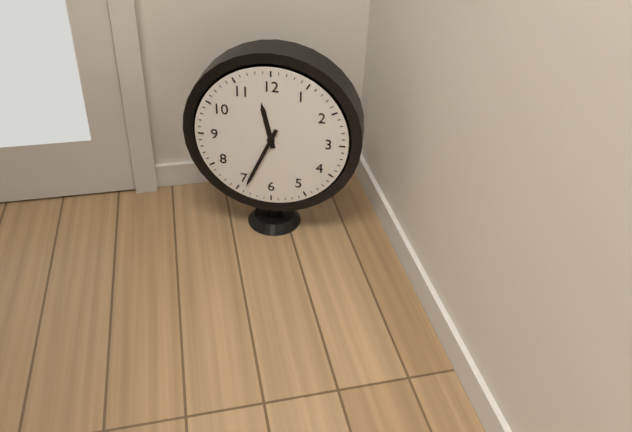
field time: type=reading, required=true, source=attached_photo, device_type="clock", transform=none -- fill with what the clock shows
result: 11:34
